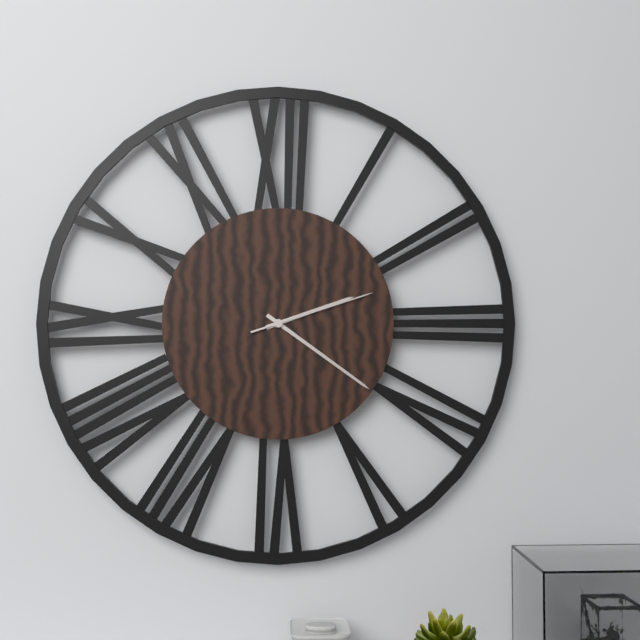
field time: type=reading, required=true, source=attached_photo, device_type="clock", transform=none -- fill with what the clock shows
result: 2:21:12
